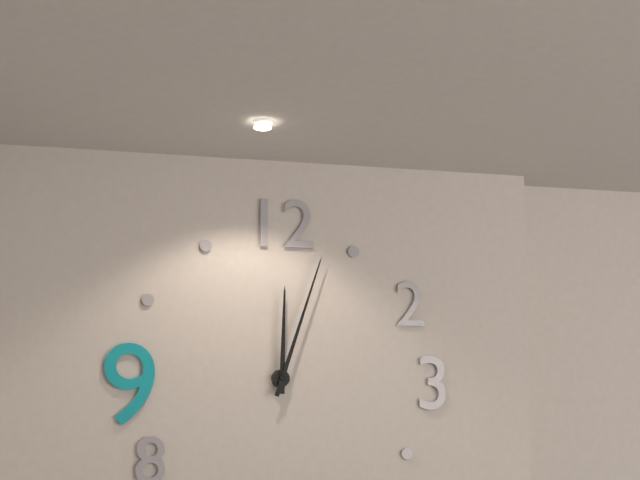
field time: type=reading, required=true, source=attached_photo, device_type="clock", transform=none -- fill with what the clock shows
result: 12:03
